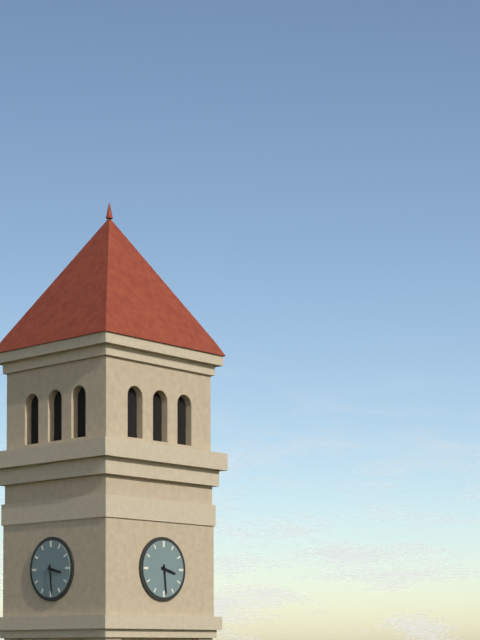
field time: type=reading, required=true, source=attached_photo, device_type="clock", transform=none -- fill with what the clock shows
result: 3:29
